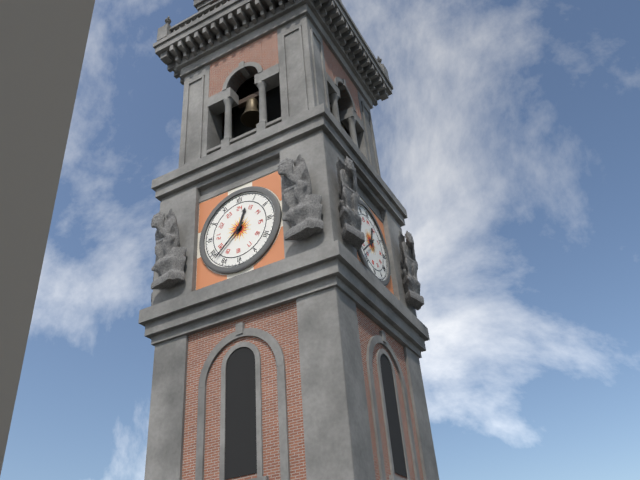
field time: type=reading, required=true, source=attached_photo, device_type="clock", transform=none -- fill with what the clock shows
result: 12:38
